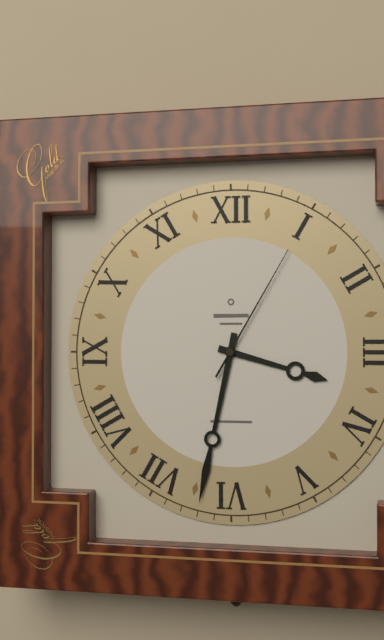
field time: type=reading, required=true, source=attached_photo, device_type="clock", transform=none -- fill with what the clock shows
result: 3:32:05
